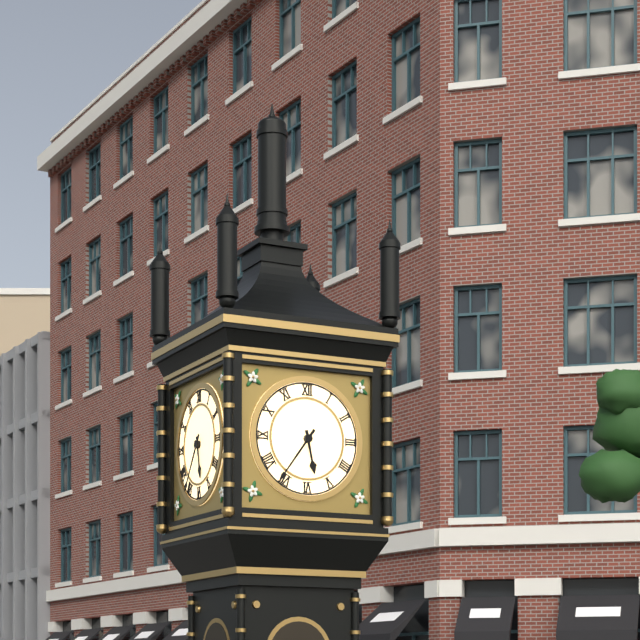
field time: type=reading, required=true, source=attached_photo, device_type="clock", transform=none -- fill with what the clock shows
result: 5:36
